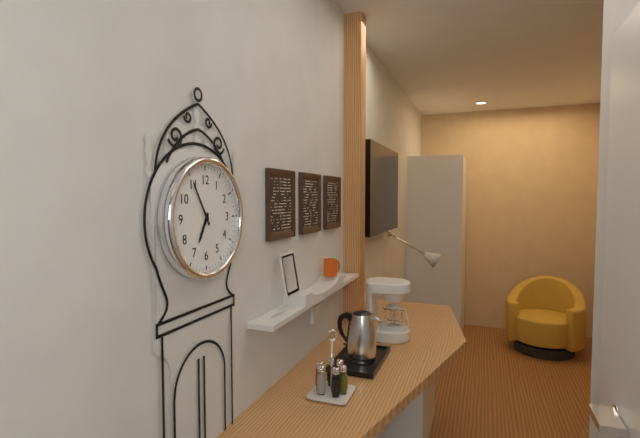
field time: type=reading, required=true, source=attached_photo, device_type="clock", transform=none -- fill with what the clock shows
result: 6:55
